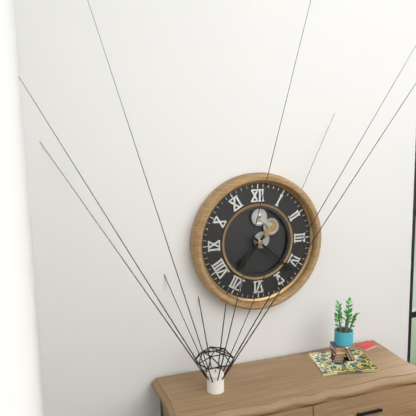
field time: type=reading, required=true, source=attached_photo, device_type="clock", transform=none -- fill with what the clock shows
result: 7:22
